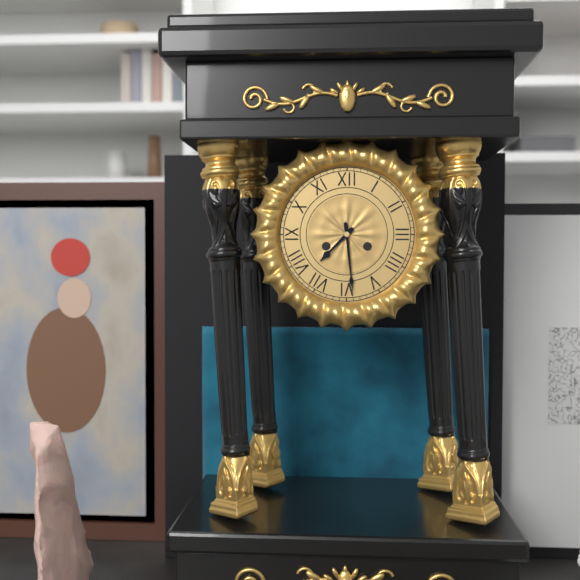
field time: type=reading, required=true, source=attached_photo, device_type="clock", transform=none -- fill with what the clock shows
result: 7:29
